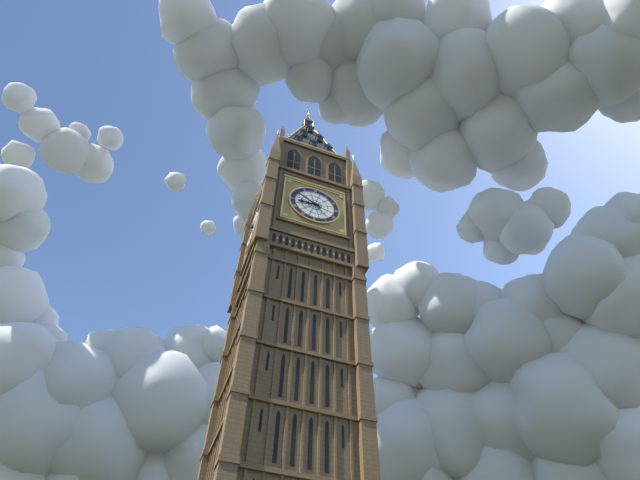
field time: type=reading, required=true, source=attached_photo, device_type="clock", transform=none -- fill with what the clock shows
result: 8:50
